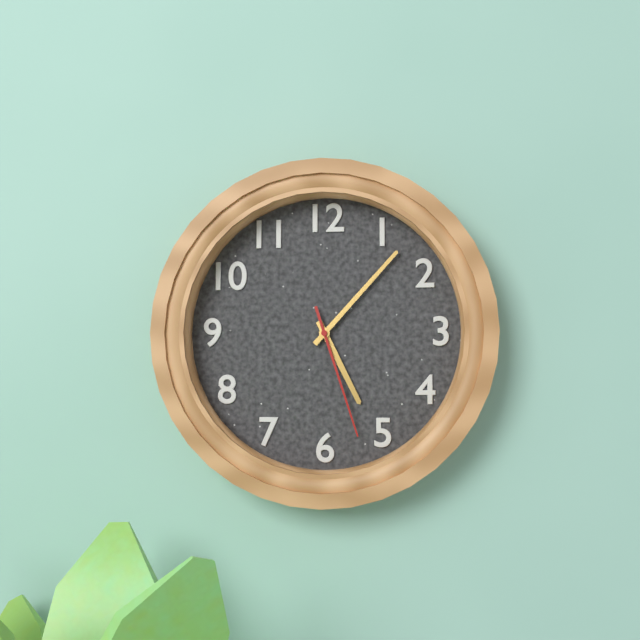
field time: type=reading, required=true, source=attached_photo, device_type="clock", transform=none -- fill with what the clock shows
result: 5:07:27
